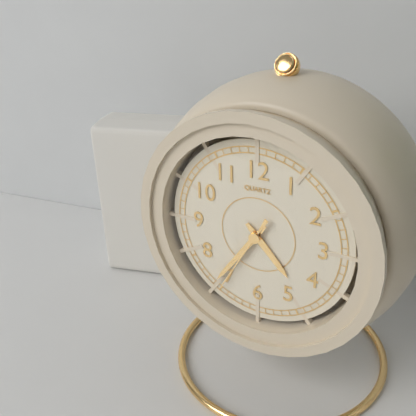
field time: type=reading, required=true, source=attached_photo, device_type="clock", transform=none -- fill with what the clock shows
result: 4:36:35
